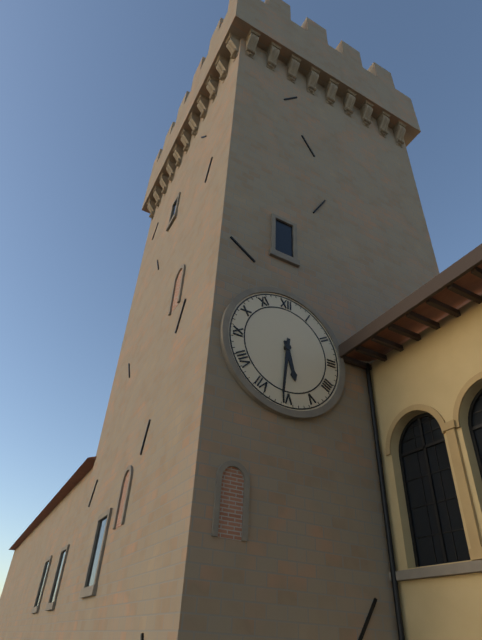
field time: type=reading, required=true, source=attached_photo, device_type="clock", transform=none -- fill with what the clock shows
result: 5:31
